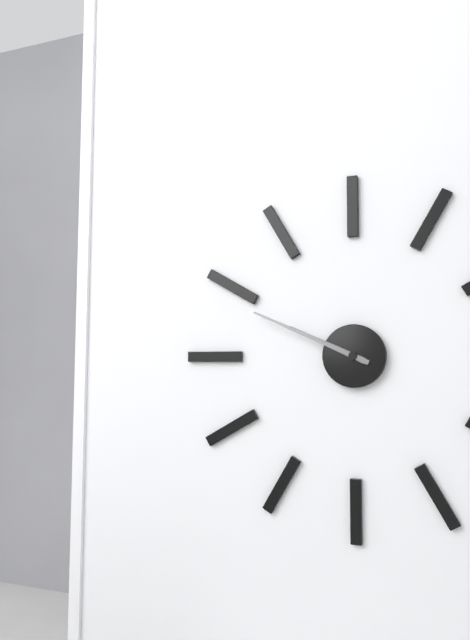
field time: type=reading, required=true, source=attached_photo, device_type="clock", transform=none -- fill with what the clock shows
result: 9:49
